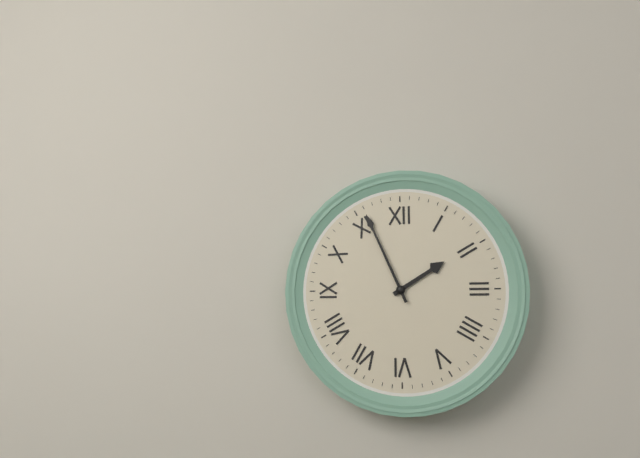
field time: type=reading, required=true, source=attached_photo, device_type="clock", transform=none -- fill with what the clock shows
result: 1:56
